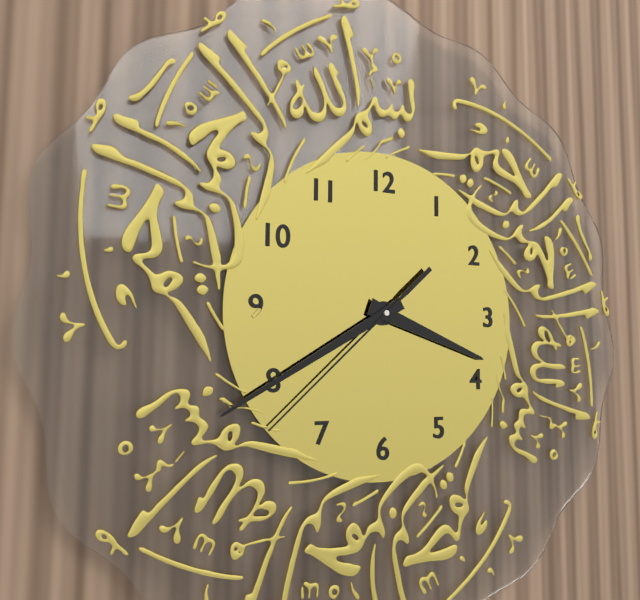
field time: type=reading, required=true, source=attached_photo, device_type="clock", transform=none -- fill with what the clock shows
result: 3:40:38
